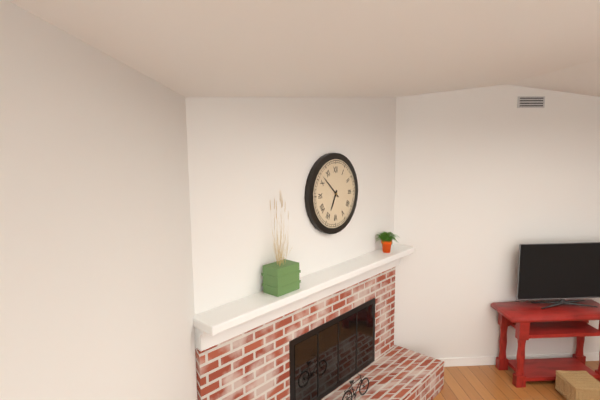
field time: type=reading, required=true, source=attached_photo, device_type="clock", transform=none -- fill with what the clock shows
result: 6:52
